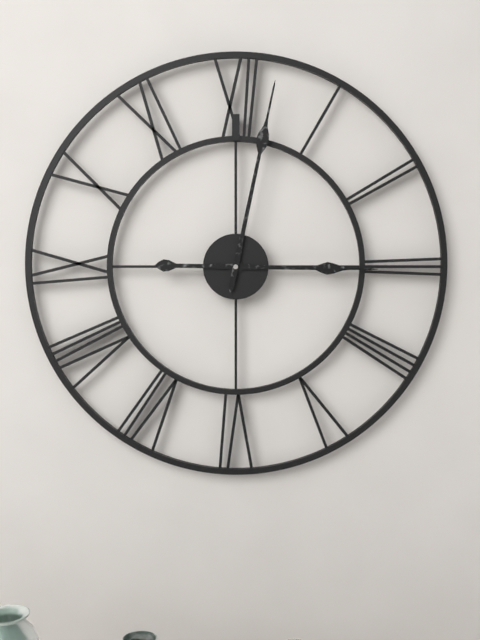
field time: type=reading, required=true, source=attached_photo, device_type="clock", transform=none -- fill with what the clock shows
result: 3:02
